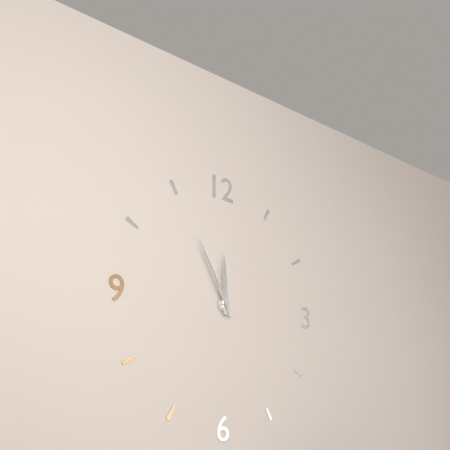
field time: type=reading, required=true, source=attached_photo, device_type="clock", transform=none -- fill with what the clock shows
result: 11:55
